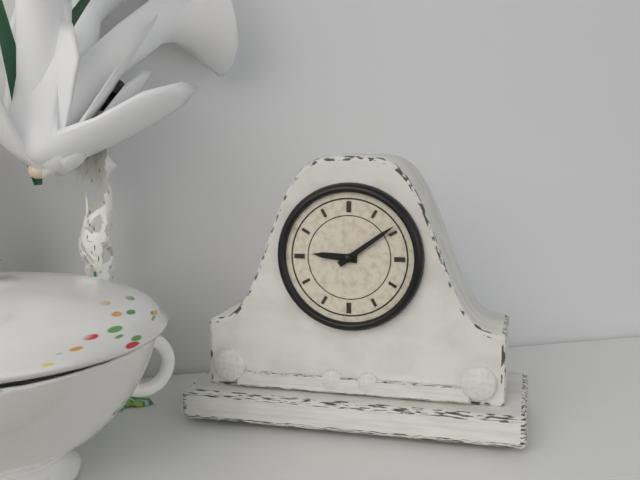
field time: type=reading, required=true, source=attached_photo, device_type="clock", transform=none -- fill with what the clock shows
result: 9:09
